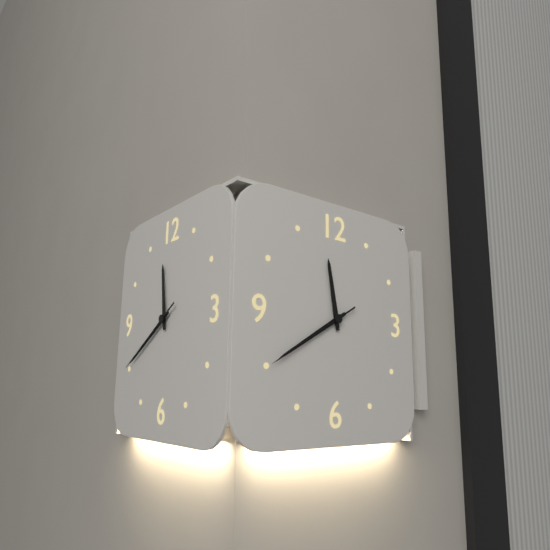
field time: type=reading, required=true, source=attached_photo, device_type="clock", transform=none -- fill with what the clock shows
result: 11:40:40
